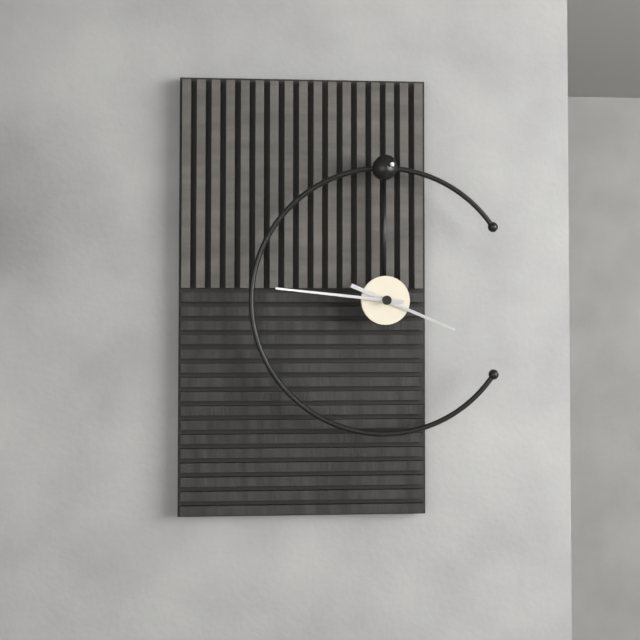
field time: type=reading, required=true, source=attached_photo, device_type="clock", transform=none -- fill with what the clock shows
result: 3:46
